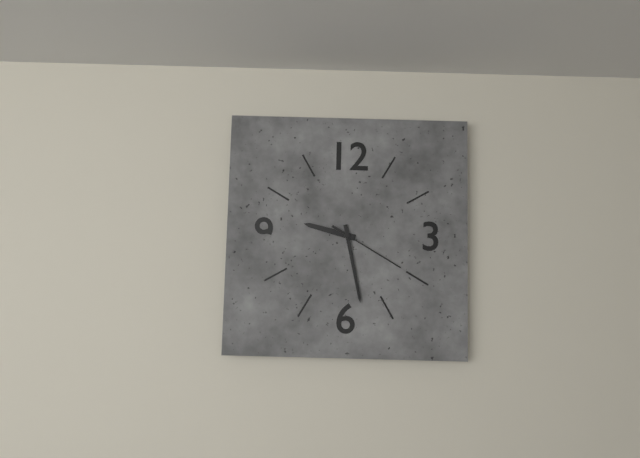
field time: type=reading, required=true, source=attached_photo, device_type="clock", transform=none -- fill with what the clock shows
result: 9:28:20
